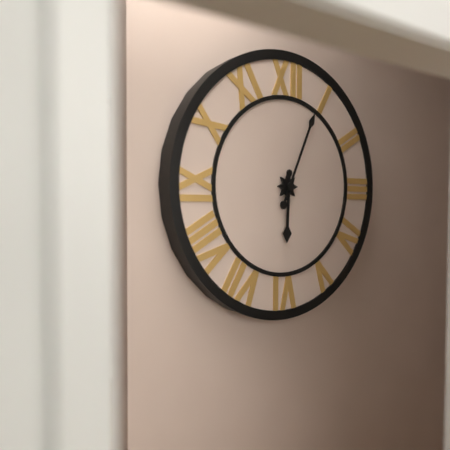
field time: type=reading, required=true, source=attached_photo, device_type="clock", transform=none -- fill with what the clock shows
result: 6:04
